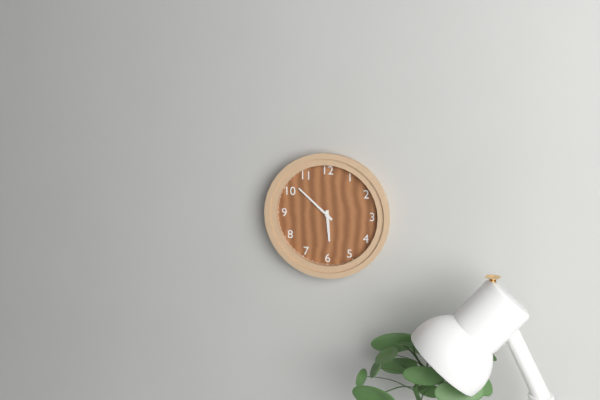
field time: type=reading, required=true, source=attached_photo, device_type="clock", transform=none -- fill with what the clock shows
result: 5:52
